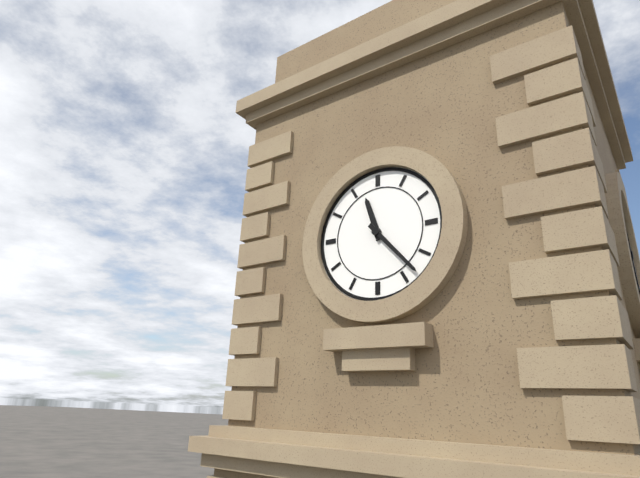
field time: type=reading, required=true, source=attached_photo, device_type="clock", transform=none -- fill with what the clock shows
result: 11:23
